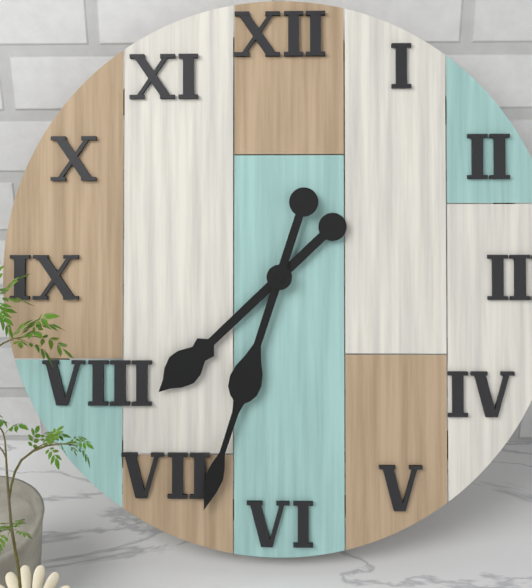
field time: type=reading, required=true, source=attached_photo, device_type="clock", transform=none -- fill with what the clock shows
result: 7:33
